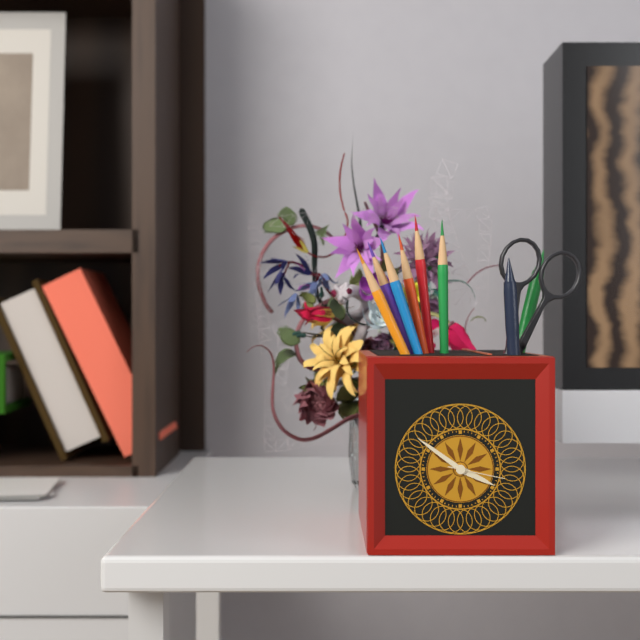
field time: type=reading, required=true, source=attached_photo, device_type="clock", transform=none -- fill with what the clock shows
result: 3:51:17
